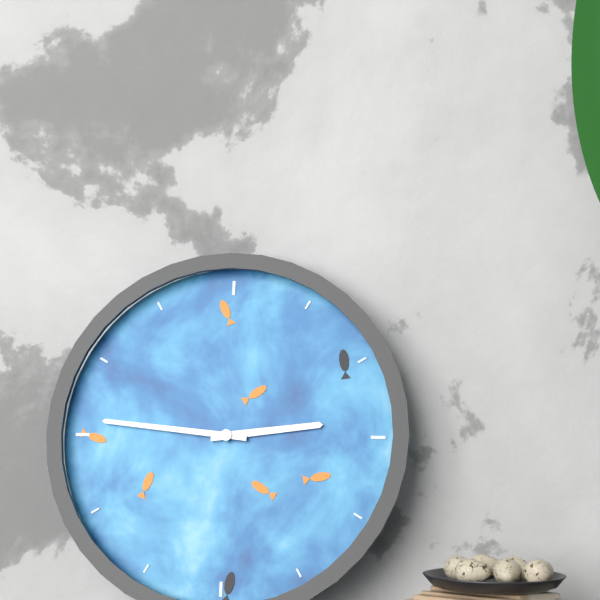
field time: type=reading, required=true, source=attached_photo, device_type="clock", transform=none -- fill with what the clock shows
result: 2:46
